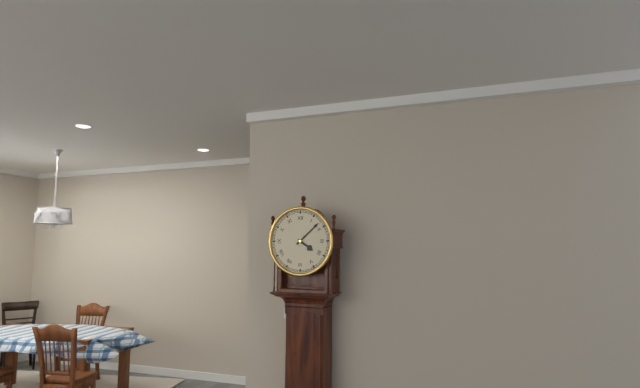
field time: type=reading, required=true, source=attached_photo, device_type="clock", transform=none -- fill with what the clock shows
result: 4:08
